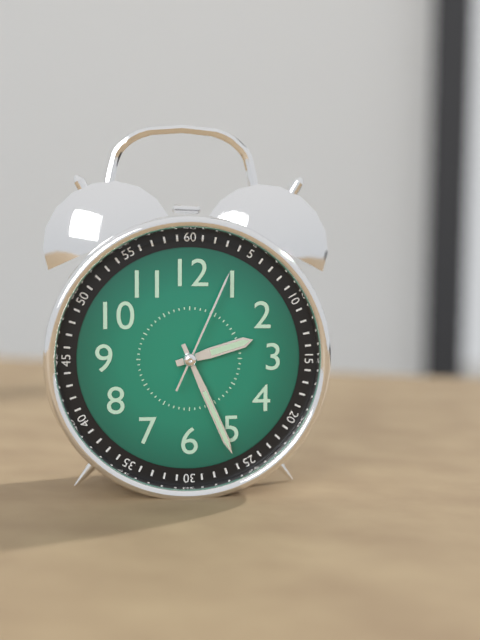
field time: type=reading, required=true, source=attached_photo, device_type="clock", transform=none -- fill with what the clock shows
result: 2:26:04
